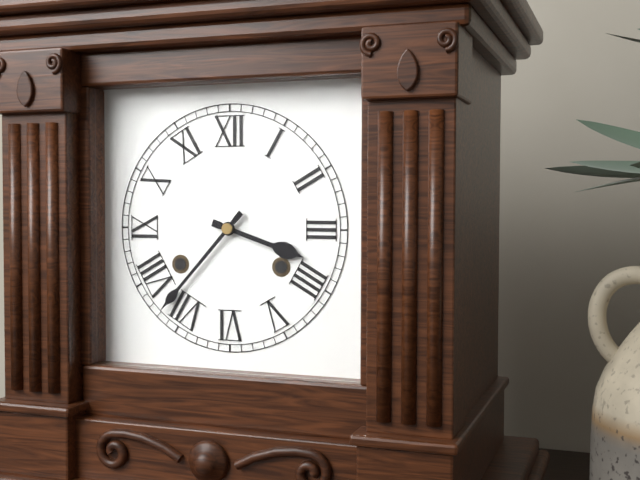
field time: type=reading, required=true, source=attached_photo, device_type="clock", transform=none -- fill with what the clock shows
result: 3:37
